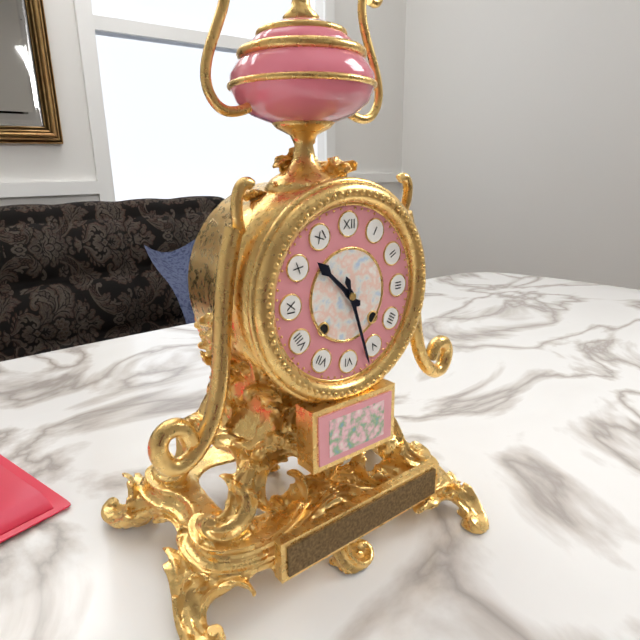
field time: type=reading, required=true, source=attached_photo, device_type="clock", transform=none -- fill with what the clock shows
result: 10:27
